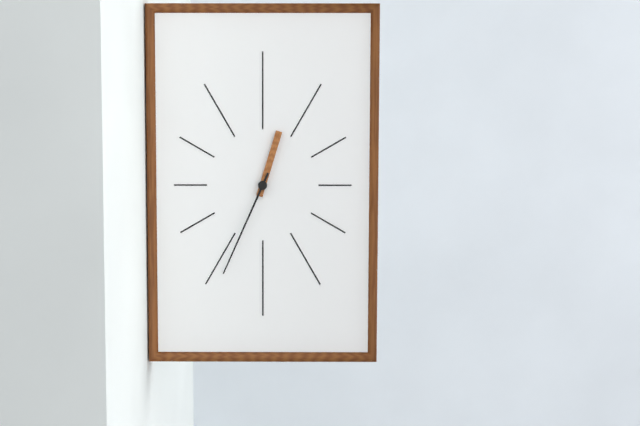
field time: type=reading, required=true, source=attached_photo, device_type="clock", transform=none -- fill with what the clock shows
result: 12:34
